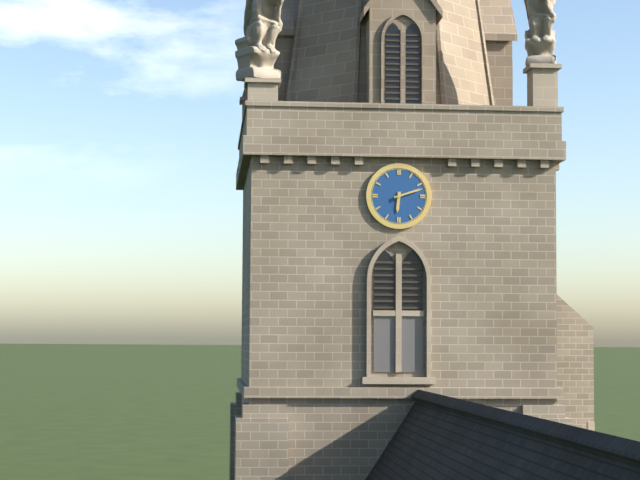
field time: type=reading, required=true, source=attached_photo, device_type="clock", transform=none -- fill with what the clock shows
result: 6:12
